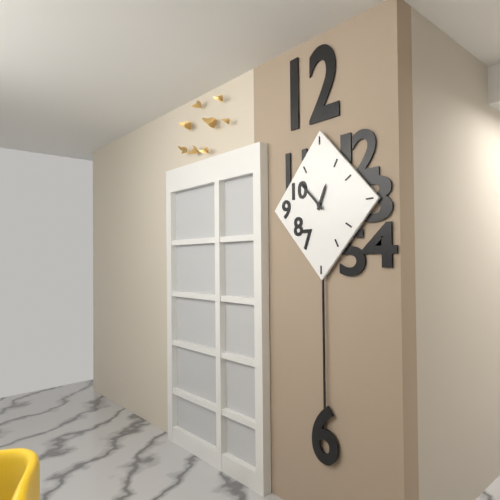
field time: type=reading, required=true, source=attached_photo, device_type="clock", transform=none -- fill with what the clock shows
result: 12:52
